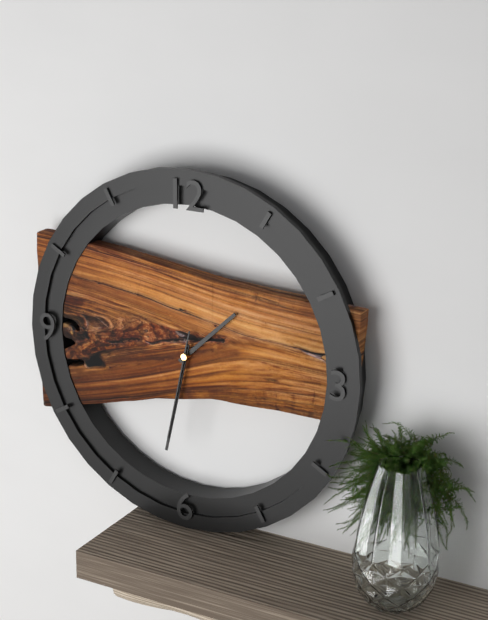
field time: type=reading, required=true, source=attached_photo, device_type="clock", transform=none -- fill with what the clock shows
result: 1:32:32
